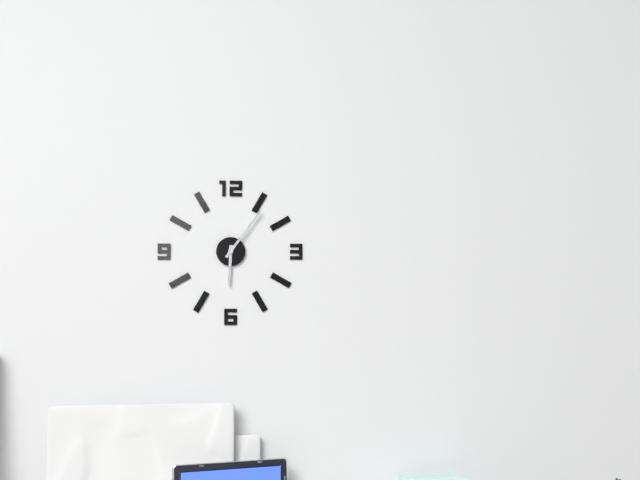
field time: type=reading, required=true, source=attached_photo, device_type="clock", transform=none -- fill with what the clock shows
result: 6:06
